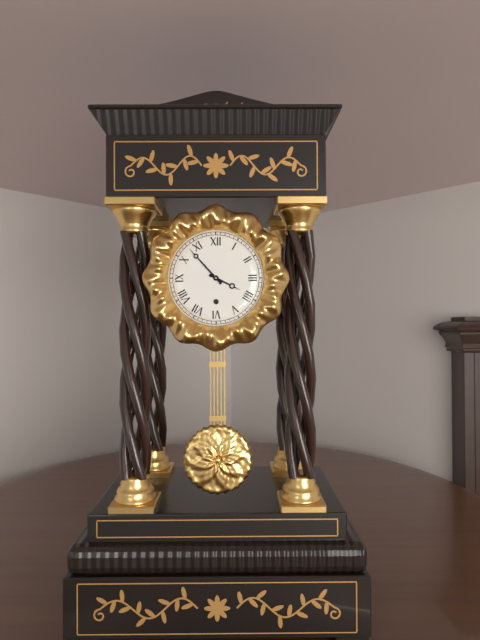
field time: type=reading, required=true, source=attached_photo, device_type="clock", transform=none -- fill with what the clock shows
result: 3:53
